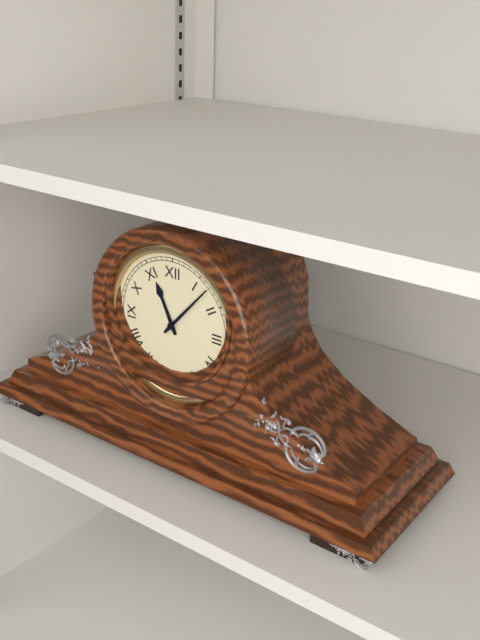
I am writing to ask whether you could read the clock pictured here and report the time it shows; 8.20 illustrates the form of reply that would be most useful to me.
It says 11.07
